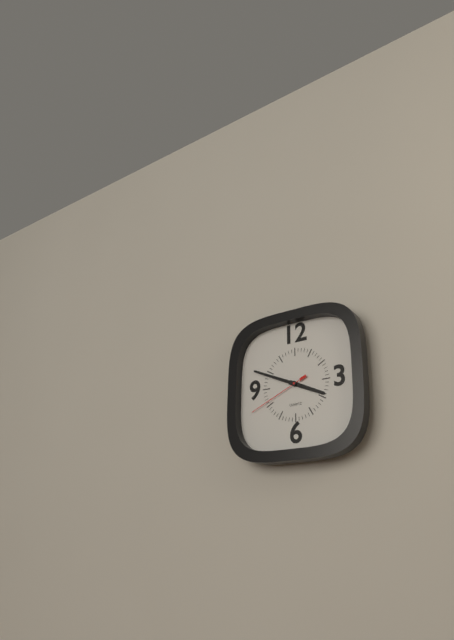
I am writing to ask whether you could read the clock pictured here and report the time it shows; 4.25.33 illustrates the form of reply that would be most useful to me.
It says 3.49.41
